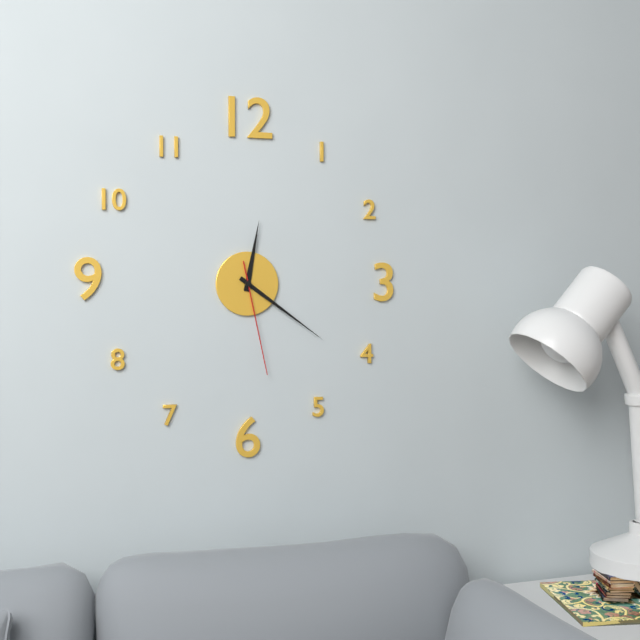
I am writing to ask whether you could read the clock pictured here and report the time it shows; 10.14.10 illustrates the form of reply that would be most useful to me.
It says 12.21.28
